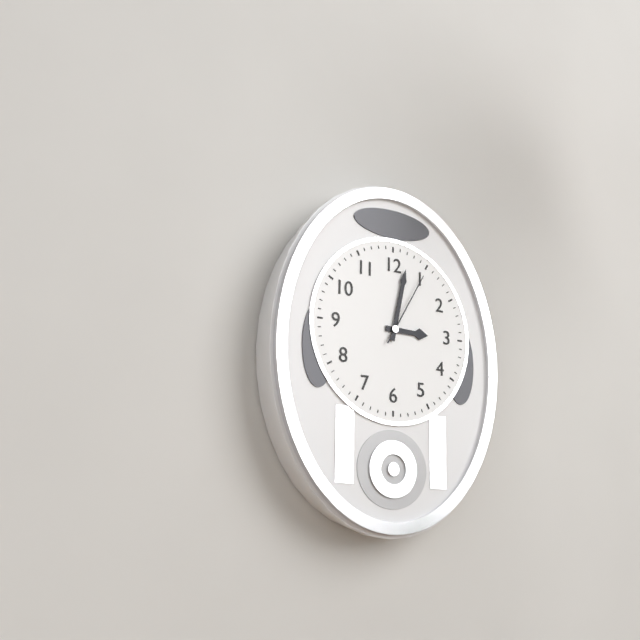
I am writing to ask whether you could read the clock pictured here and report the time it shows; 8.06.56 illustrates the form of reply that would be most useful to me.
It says 3.02.05
